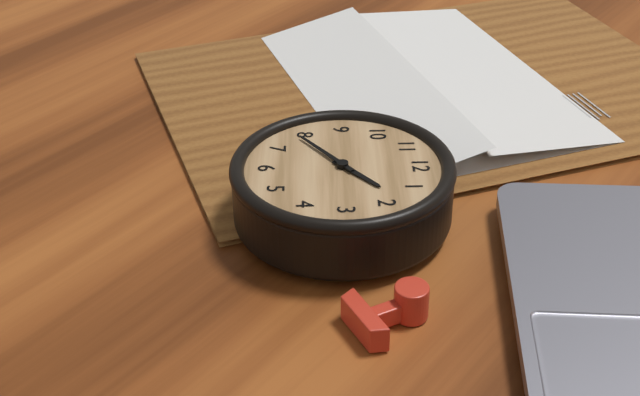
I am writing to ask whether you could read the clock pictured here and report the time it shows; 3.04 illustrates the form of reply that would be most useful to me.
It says 1.39
